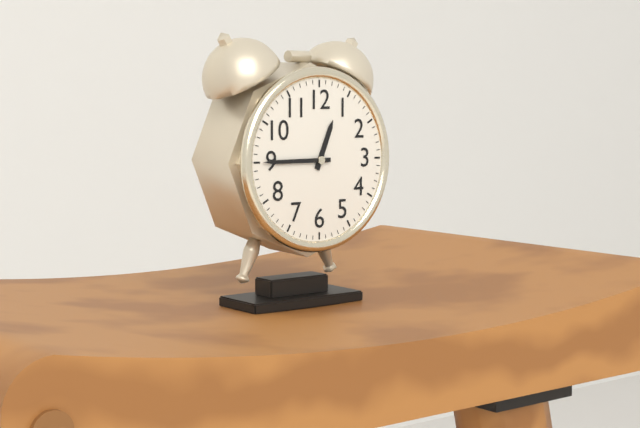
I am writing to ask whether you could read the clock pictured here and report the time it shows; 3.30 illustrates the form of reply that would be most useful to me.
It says 12.45
